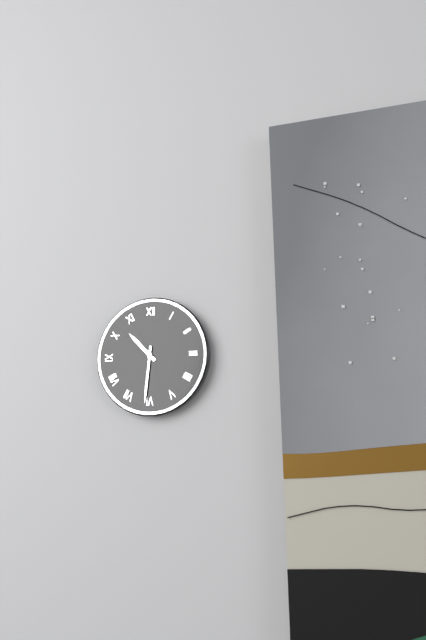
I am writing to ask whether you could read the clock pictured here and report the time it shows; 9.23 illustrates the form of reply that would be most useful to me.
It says 10.31
